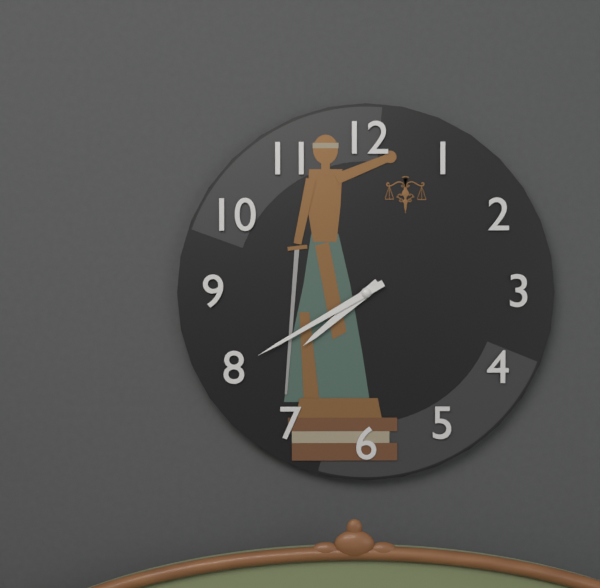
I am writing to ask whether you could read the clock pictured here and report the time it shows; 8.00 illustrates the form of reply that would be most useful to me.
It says 7.40
